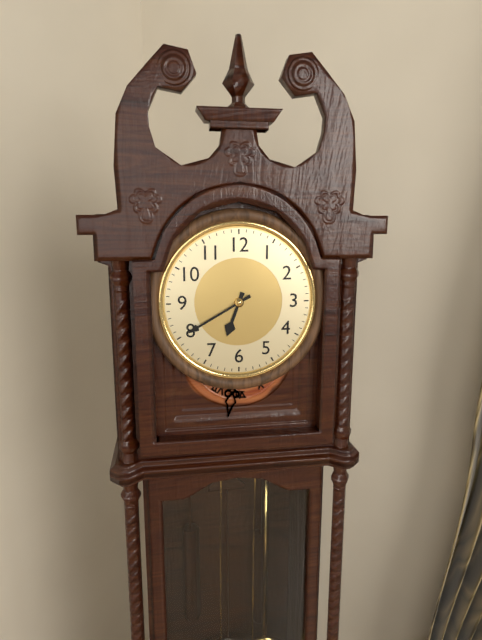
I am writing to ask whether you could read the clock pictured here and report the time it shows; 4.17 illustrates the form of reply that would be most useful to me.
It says 6.40
